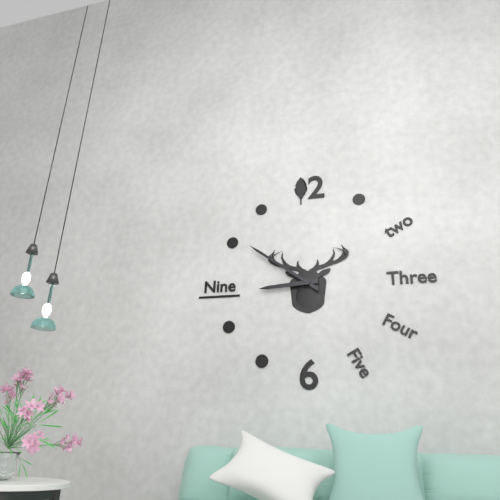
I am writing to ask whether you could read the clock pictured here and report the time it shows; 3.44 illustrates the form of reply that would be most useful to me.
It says 8.51
